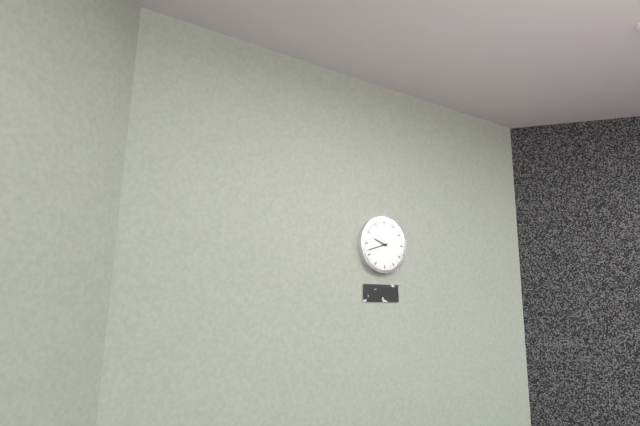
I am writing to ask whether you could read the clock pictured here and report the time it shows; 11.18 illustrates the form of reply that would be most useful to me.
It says 9.42
